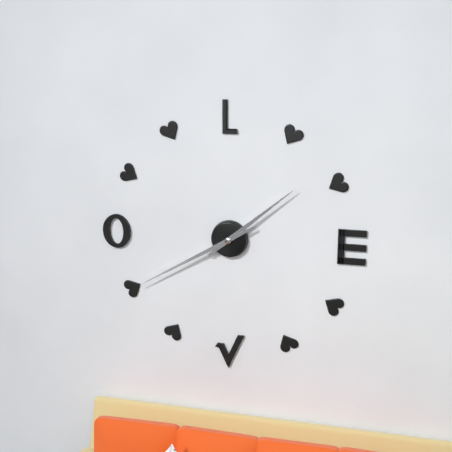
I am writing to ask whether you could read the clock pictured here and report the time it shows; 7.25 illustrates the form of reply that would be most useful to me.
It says 1.40
